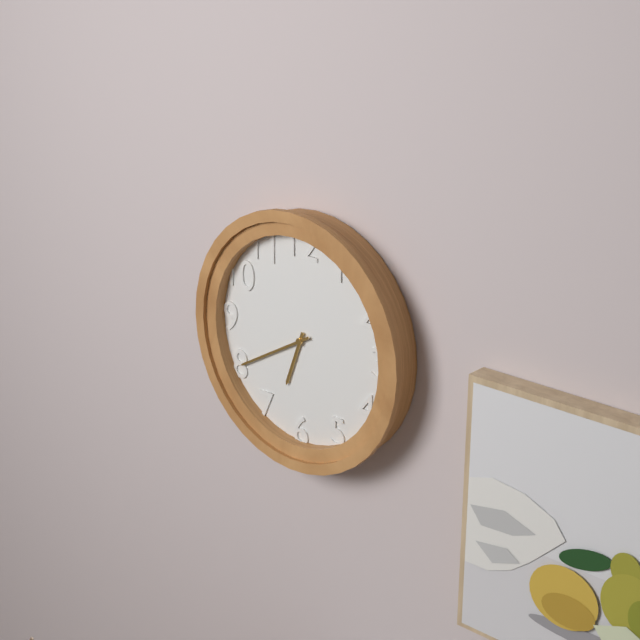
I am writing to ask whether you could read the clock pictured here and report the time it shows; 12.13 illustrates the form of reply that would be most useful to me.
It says 6.40
